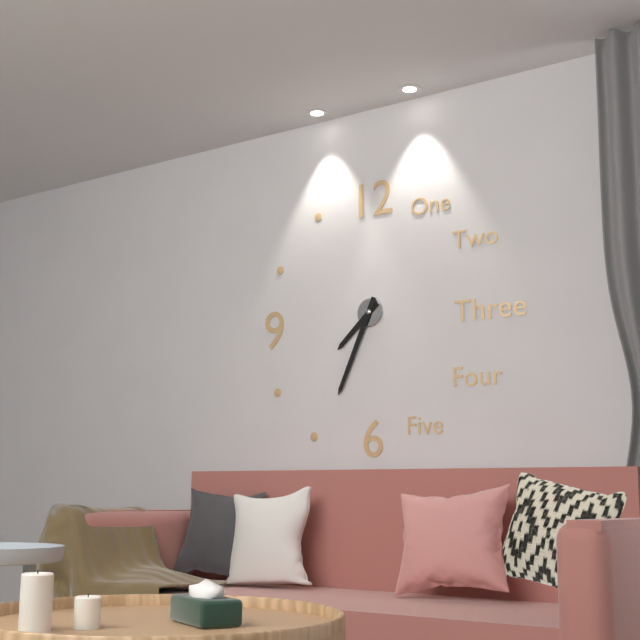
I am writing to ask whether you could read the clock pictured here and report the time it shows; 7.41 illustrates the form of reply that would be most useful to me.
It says 7.34
